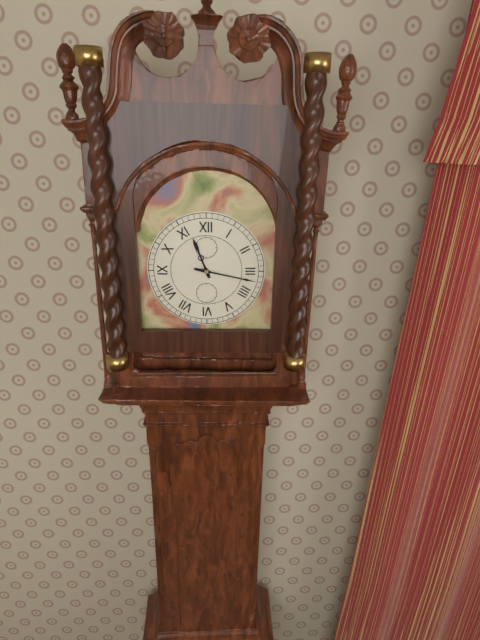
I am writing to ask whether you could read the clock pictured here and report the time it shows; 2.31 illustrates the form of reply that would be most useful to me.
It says 11.17
